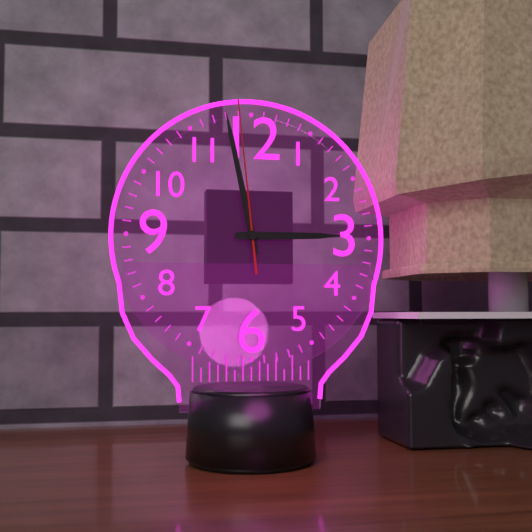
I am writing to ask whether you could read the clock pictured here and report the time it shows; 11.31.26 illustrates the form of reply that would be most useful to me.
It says 2.58.59
